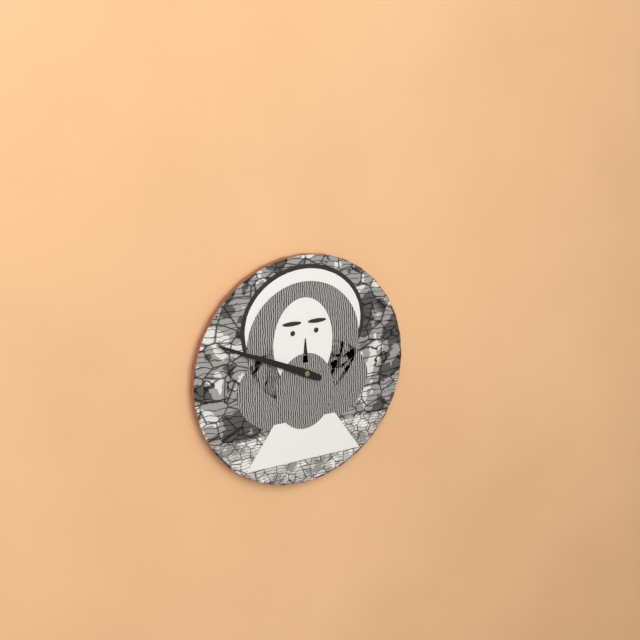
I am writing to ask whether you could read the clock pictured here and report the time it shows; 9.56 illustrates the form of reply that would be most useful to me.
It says 9.49
